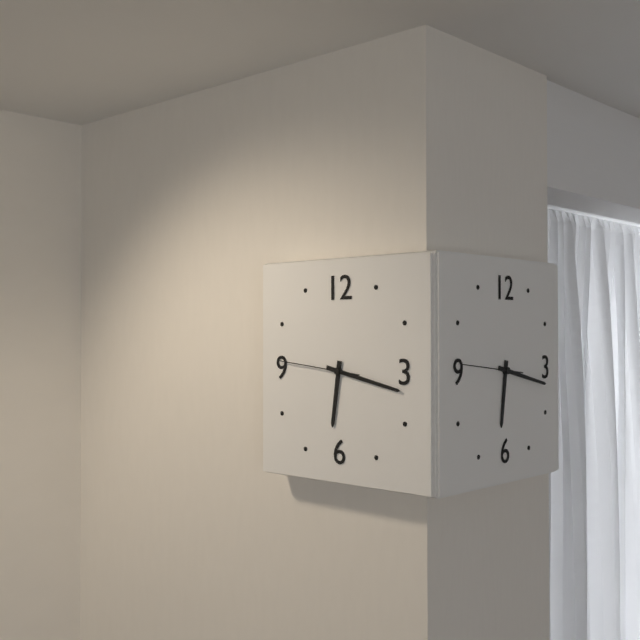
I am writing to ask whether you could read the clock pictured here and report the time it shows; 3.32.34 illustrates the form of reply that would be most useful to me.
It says 6.17.46
